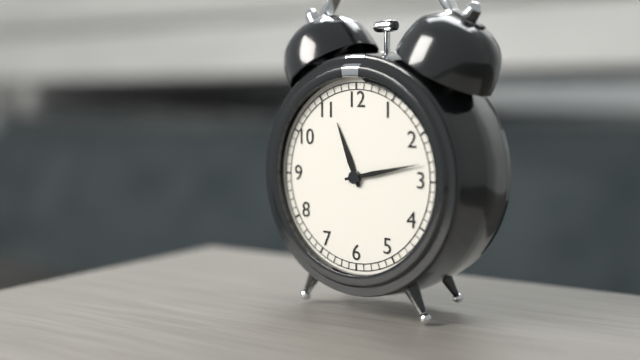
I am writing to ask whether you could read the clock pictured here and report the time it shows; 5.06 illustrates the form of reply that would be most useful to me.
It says 11.13
